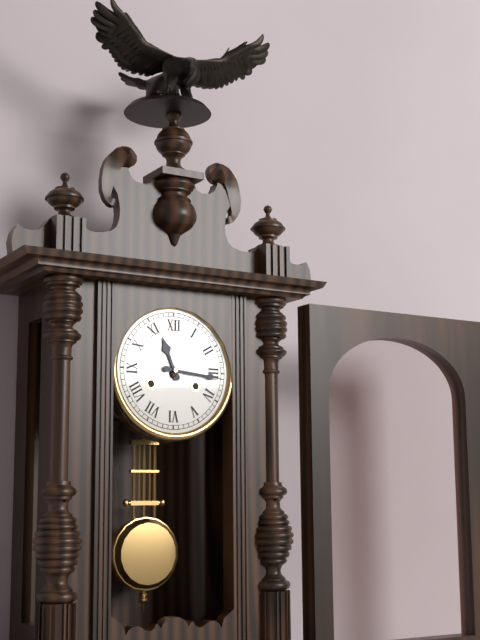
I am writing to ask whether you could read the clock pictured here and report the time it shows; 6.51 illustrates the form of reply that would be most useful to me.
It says 11.16
